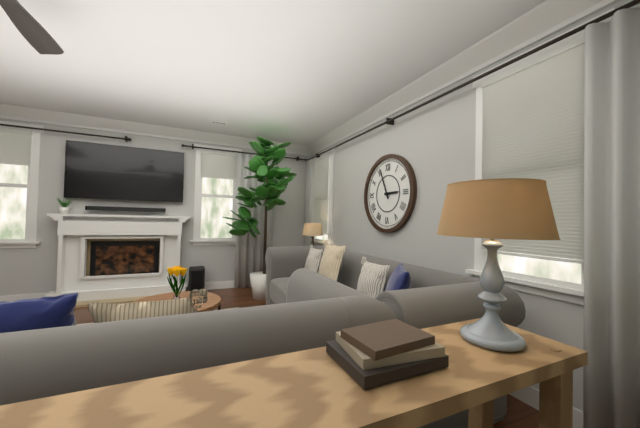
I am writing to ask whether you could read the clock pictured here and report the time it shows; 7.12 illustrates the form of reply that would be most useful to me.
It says 2.56
